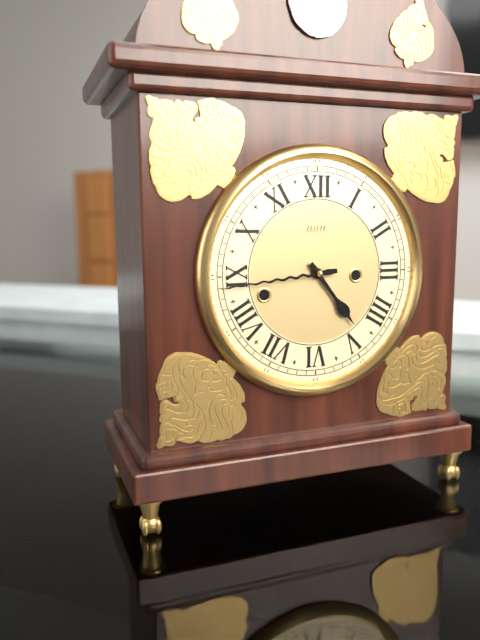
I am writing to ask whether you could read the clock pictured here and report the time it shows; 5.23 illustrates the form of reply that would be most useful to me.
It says 4.44
